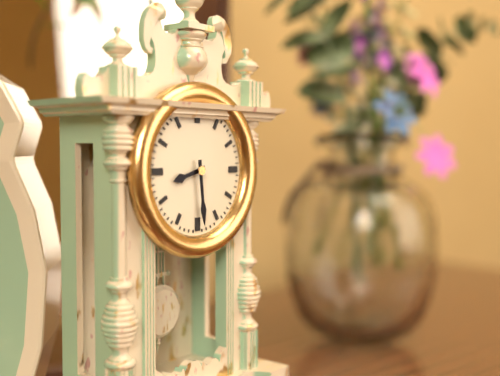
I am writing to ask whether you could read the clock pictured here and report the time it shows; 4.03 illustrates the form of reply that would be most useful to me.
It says 8.29
